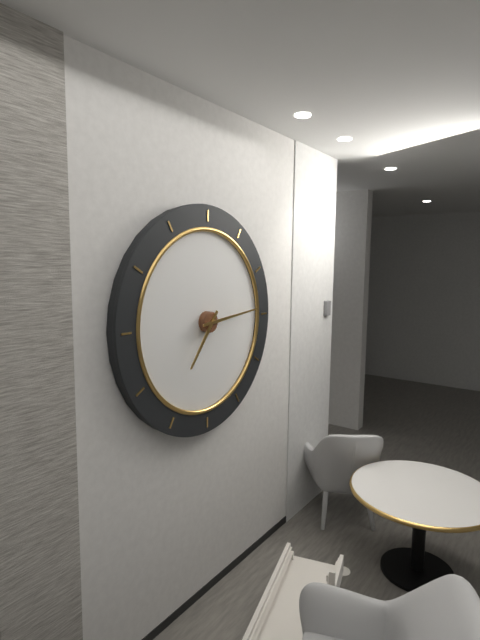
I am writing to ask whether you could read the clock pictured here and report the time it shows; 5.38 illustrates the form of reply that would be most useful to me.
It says 7.14
